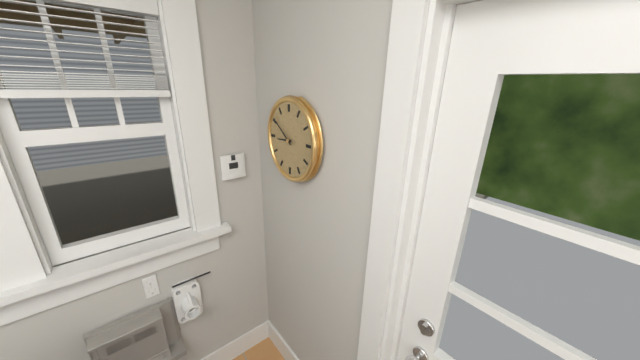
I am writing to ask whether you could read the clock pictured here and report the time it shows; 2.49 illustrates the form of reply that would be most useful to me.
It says 8.51
